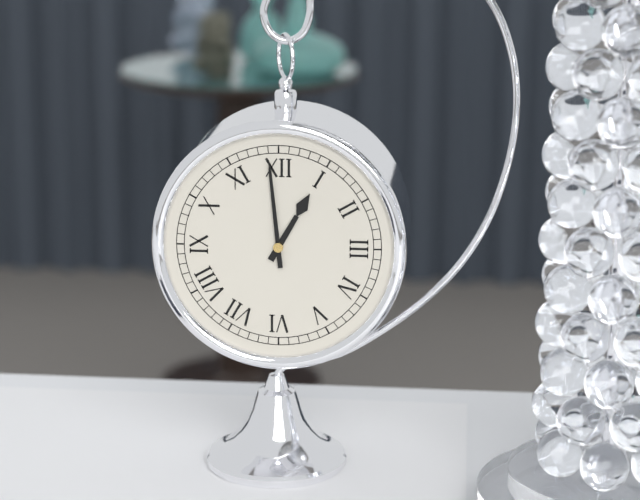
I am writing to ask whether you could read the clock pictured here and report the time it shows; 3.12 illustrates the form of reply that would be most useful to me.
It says 12.59
